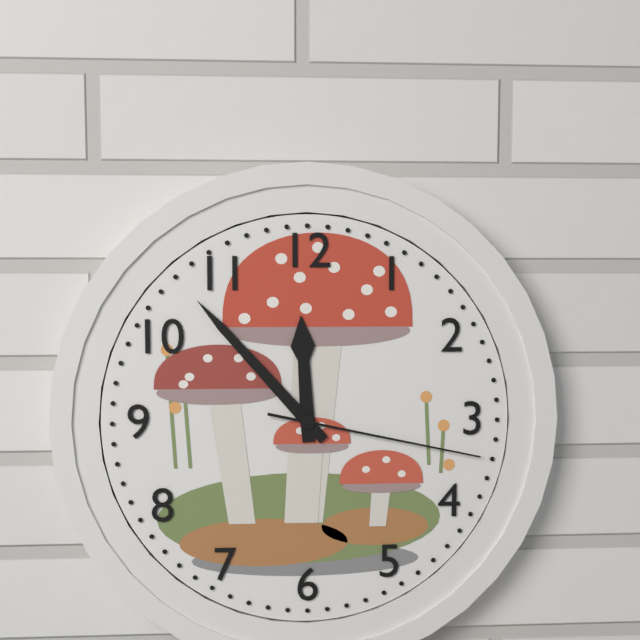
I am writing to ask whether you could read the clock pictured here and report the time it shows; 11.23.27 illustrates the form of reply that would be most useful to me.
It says 11.53.17
